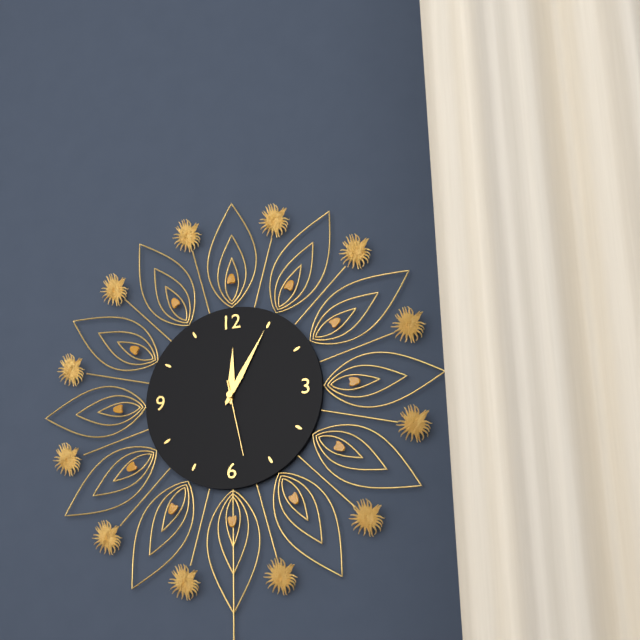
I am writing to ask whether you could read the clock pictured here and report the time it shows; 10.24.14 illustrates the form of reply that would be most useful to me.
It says 12.05.28
